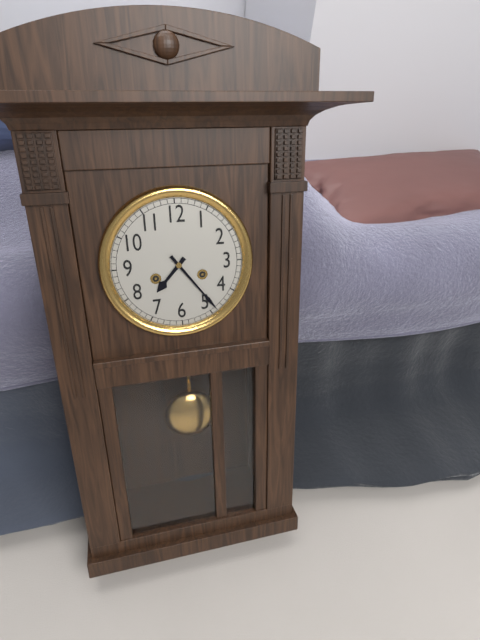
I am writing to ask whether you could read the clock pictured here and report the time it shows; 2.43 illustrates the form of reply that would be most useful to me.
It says 7.24
